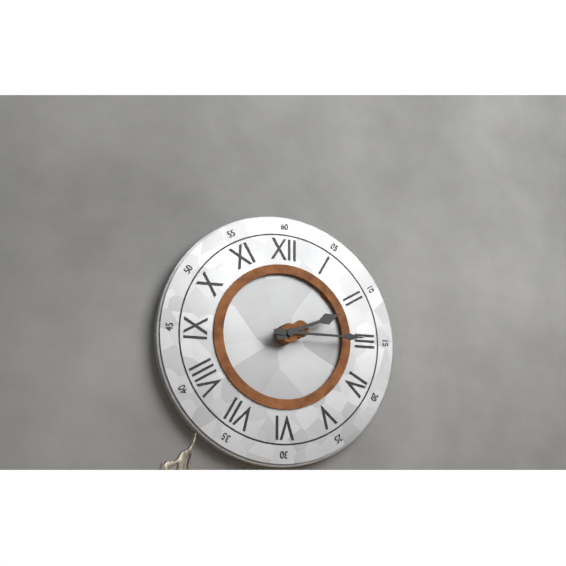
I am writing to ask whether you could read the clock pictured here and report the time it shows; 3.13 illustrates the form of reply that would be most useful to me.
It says 2.15
